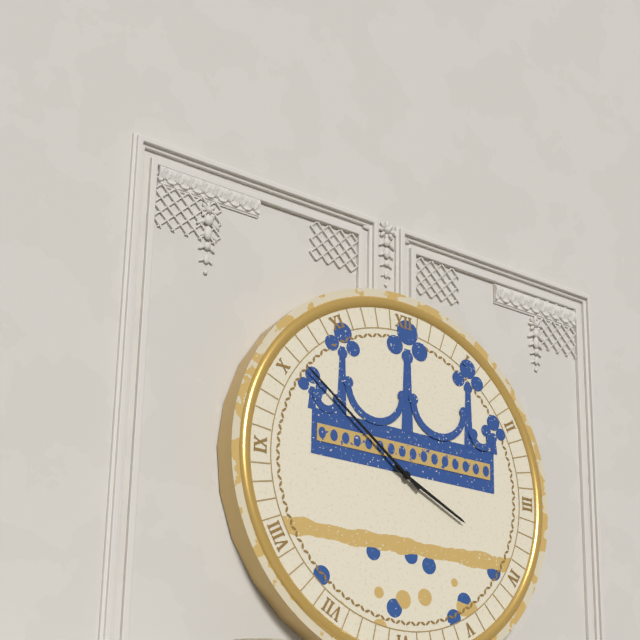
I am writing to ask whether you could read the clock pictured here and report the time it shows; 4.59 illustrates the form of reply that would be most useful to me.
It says 3.51
